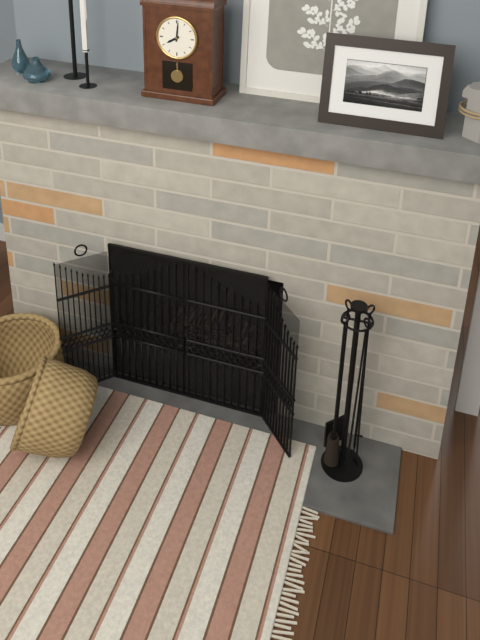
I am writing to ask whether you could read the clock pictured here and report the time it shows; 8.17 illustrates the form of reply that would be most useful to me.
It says 8.01
